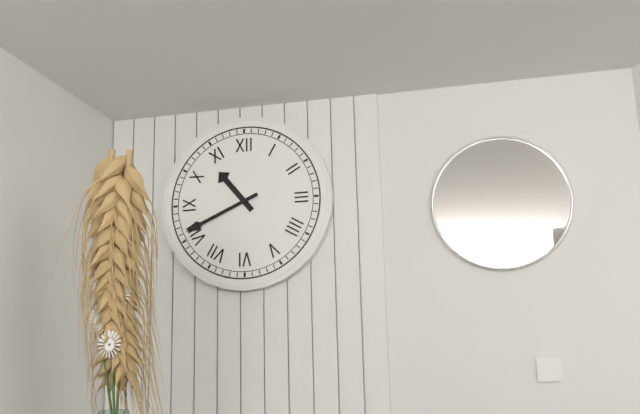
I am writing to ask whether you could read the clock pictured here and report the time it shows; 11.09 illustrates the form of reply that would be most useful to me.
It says 10.41
